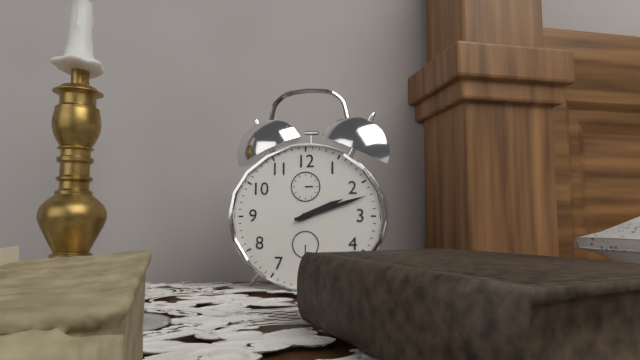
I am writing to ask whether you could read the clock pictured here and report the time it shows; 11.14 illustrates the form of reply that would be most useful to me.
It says 2.12
